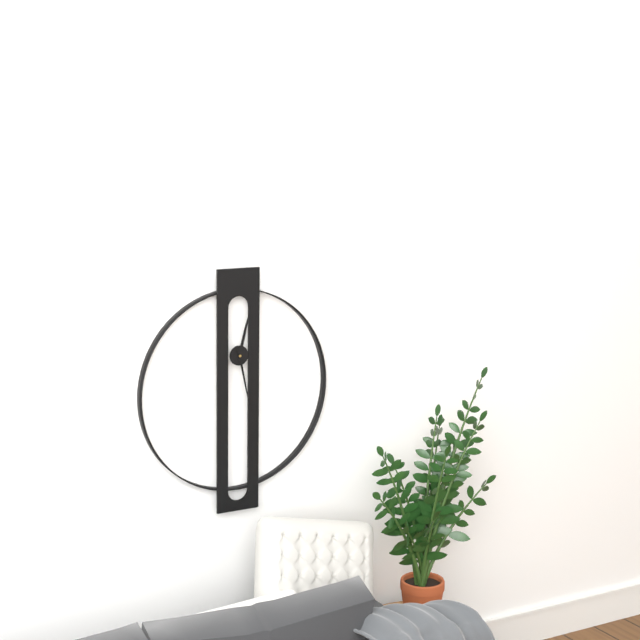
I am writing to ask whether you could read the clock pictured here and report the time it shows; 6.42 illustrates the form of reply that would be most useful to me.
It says 12.28
